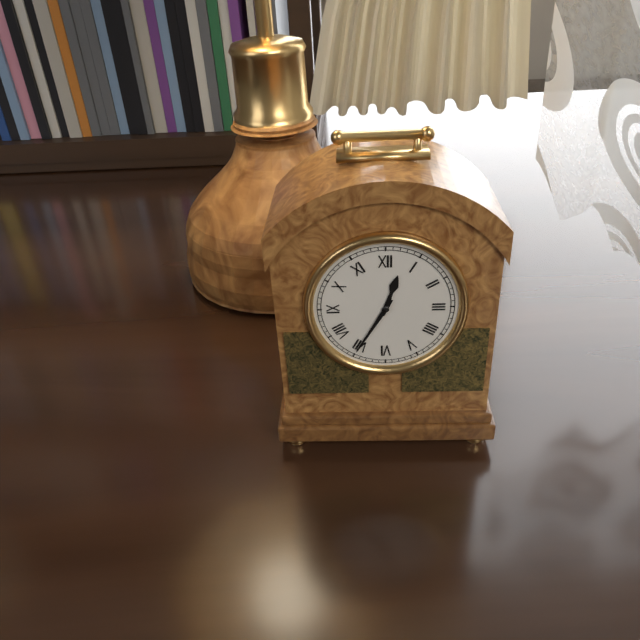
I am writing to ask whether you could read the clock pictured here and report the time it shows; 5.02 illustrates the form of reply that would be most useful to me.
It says 12.35
